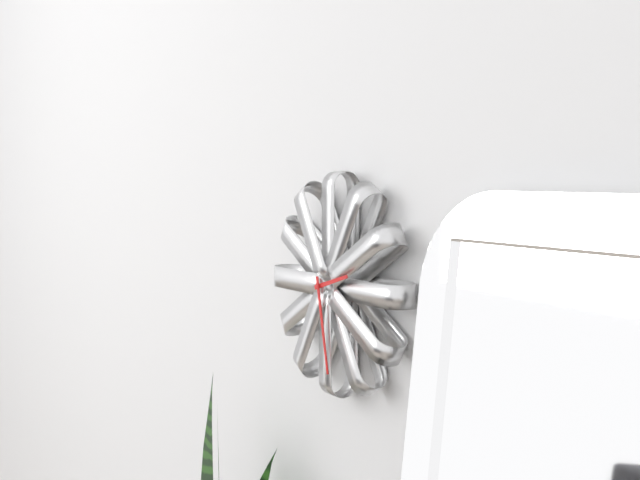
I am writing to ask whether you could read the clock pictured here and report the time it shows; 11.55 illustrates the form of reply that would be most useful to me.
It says 2.28
